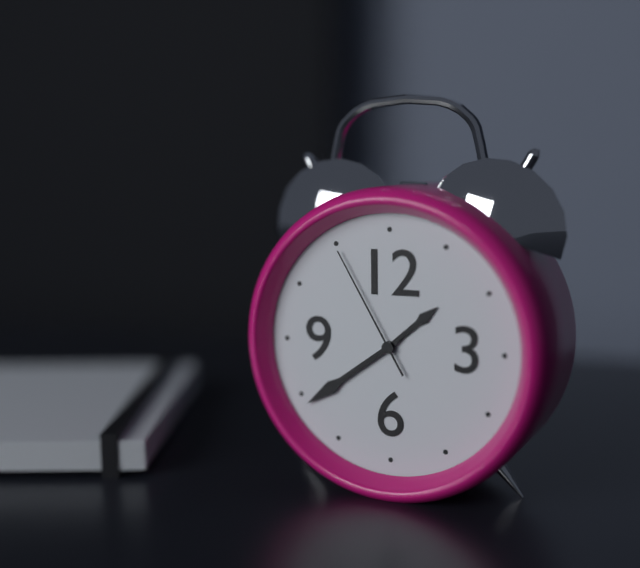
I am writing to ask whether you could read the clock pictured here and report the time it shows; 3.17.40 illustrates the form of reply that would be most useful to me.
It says 1.39.55
